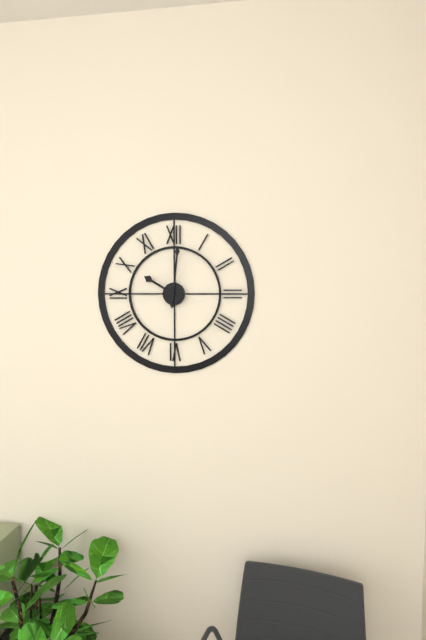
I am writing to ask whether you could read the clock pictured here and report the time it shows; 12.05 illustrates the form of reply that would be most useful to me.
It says 10.01
